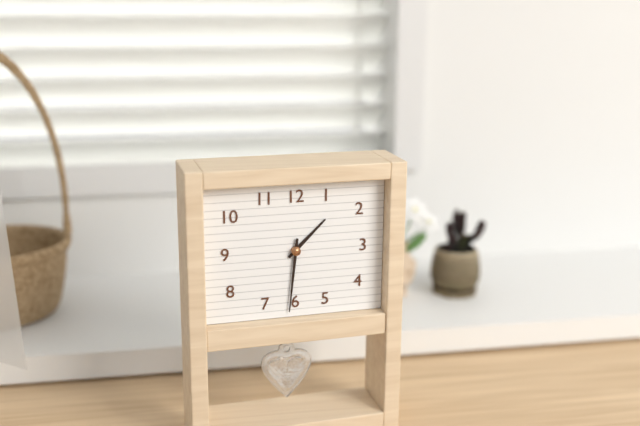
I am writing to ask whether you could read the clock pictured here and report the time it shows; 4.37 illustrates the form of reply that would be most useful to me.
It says 1.31
